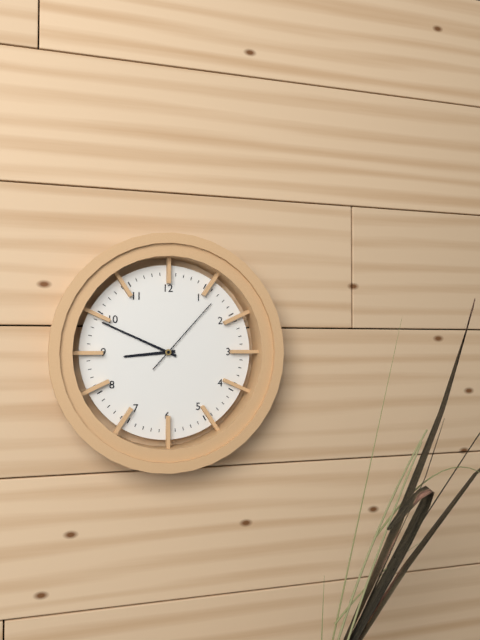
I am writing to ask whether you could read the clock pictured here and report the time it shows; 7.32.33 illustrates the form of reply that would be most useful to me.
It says 8.49.07
